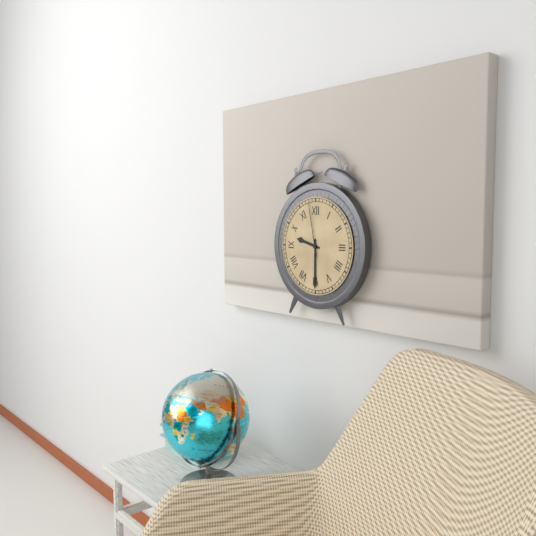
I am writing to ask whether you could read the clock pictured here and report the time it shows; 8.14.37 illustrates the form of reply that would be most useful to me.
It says 9.30.58
